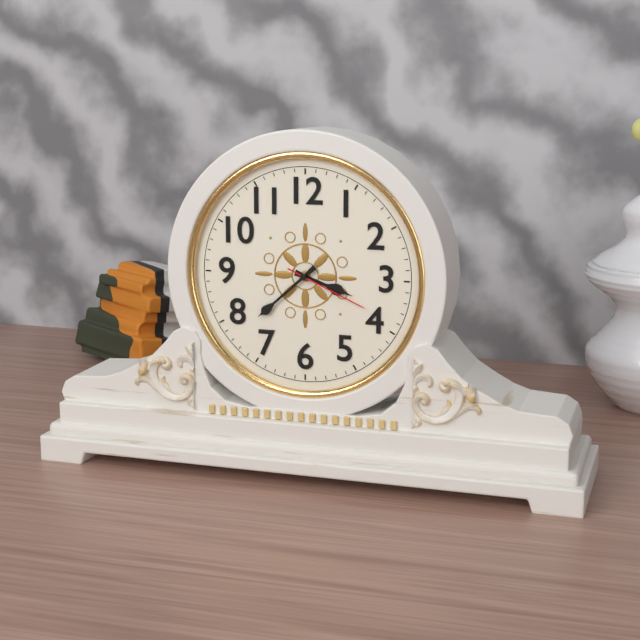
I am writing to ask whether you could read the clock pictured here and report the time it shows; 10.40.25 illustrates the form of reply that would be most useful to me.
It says 3.38.19
